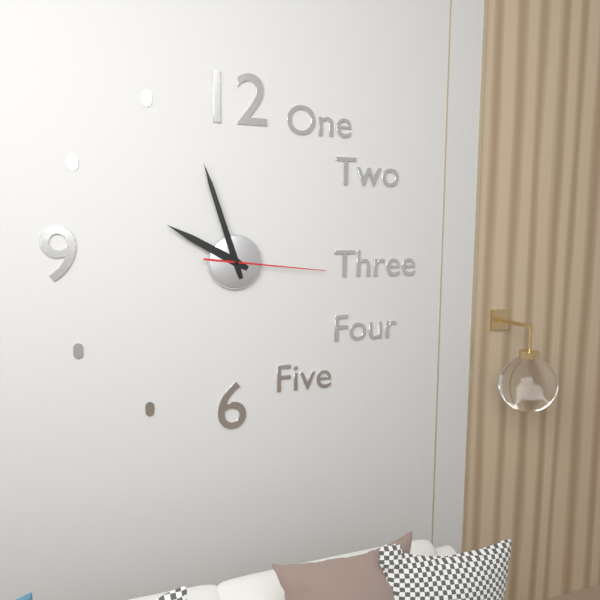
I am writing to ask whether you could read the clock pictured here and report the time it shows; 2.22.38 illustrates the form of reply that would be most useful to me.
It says 9.57.16
